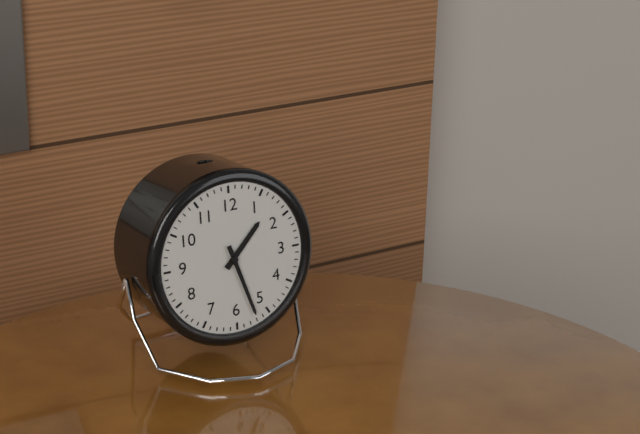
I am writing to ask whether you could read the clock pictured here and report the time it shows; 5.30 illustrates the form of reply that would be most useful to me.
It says 1.27
